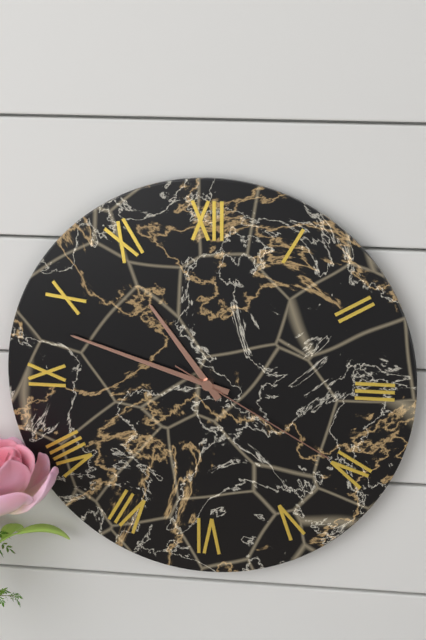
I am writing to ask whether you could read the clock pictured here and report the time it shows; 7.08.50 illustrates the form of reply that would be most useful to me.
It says 10.48.20
